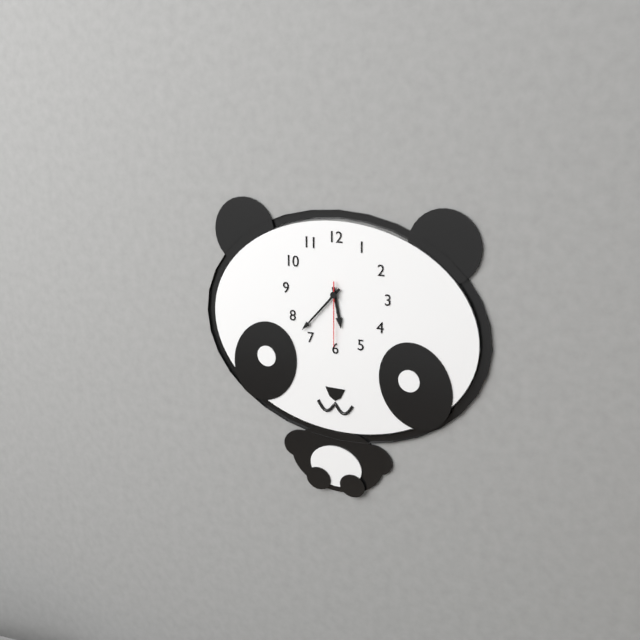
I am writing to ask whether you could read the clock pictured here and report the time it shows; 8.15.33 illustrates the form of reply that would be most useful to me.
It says 5.37.30
